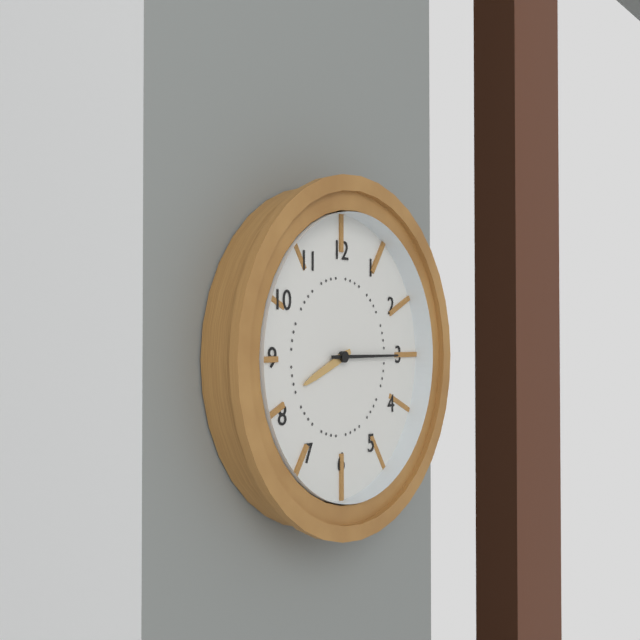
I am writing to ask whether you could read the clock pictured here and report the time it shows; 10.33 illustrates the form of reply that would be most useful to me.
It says 8.15
